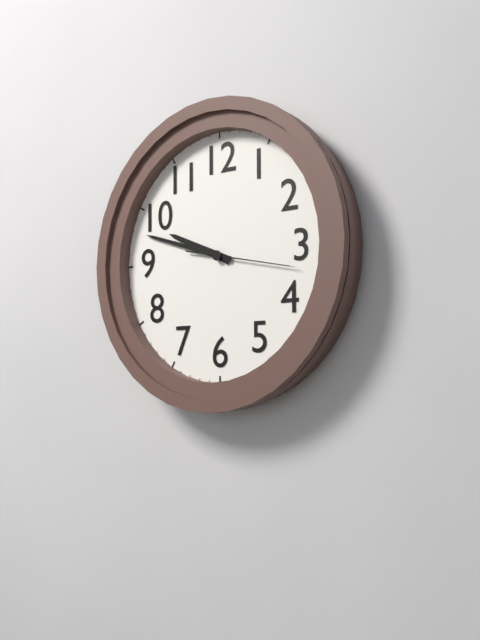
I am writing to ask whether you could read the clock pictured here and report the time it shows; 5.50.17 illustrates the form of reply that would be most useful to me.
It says 9.48.17
